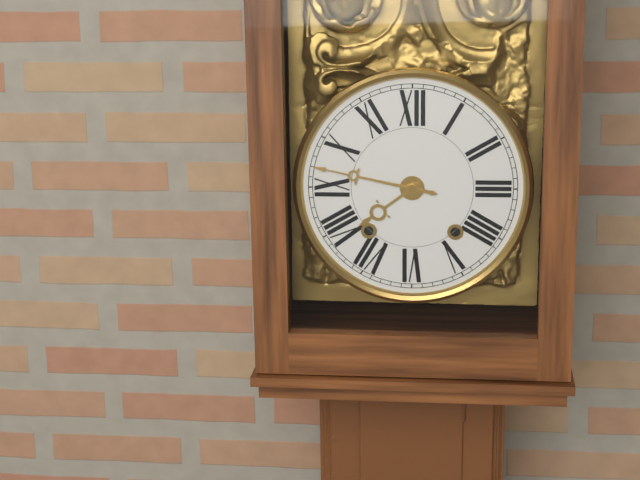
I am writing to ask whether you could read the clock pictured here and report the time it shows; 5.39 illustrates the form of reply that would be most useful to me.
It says 7.47
